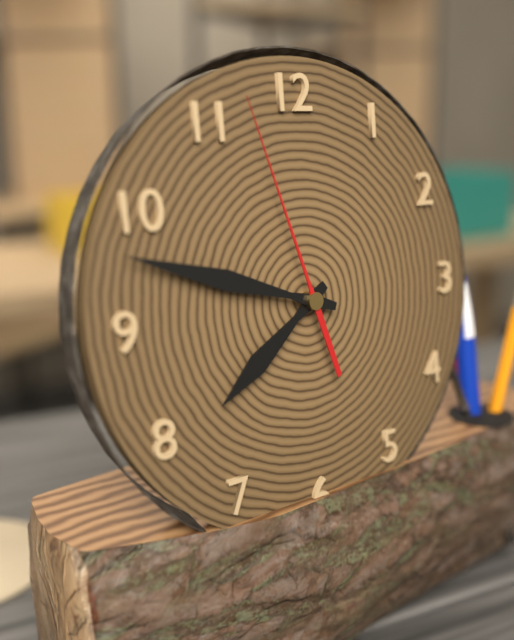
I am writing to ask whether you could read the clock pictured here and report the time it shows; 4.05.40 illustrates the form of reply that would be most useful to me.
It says 7.48.57
